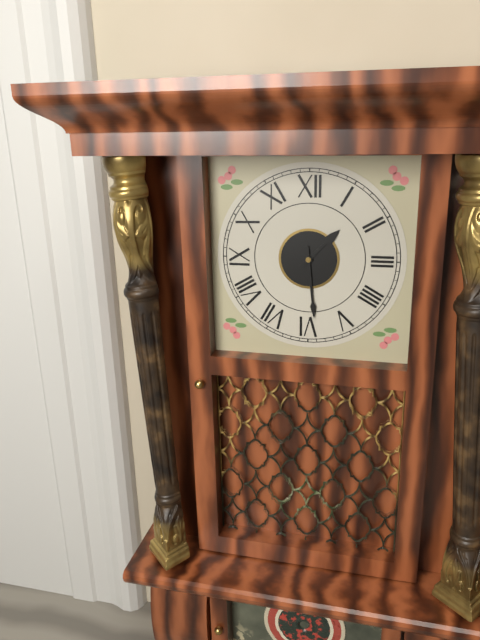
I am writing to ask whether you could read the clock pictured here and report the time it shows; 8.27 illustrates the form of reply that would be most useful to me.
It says 1.29
